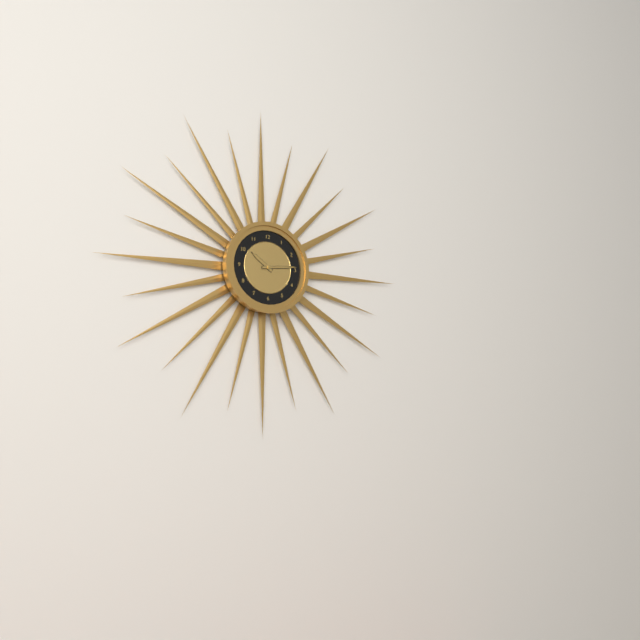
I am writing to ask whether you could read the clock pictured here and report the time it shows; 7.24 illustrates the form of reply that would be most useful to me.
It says 10.14
